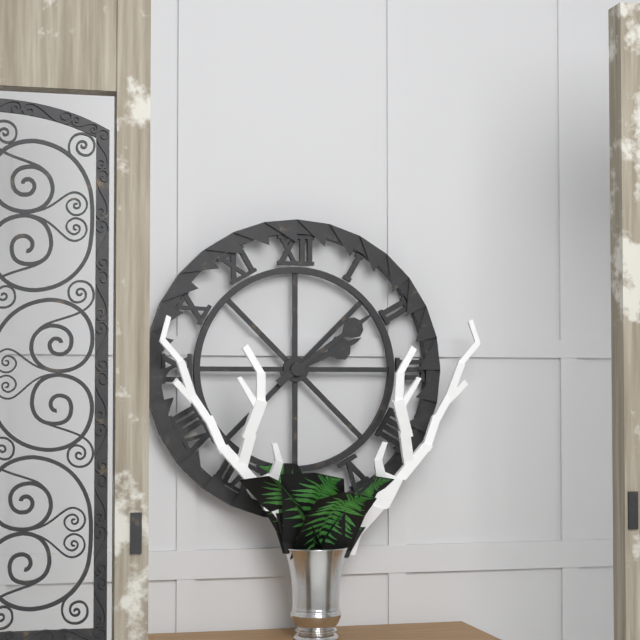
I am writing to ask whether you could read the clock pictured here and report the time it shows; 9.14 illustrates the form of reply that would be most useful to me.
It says 2.09
